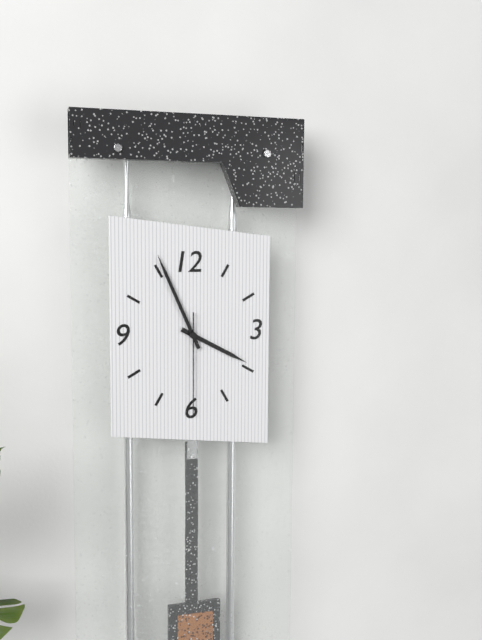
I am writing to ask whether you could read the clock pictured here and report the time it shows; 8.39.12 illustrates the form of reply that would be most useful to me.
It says 3.56.30
